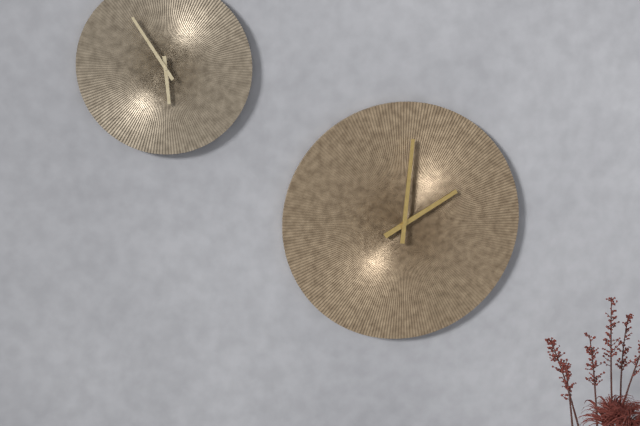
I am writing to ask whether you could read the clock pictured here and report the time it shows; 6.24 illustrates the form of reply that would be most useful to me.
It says 2.01
